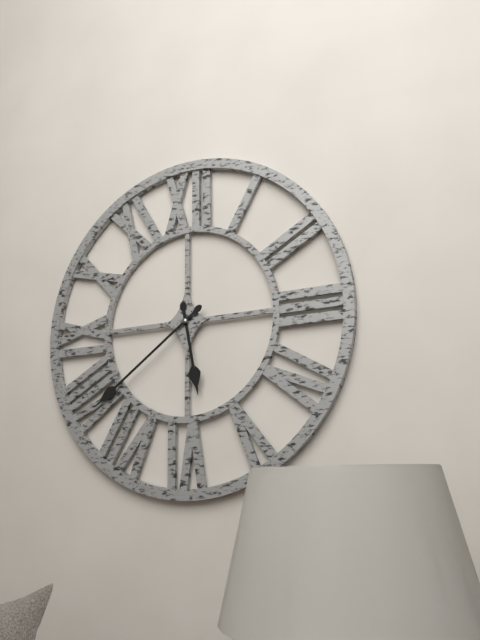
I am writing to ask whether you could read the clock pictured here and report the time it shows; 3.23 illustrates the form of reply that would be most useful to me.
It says 5.39
